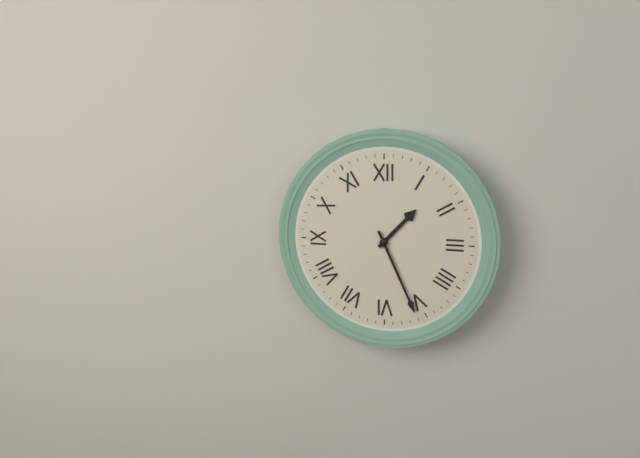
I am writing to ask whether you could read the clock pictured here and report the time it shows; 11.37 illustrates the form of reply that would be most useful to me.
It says 1.26
